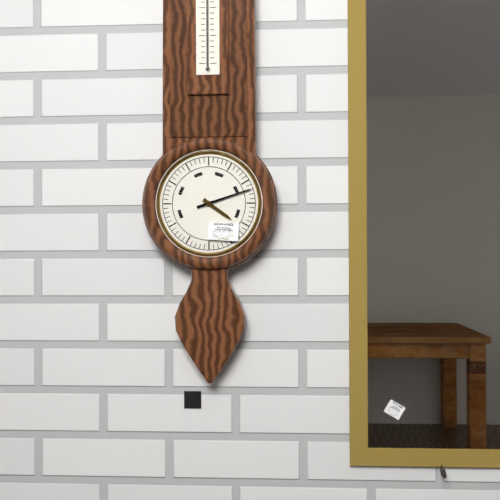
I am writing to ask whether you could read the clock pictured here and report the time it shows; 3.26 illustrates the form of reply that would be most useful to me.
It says 4.12
